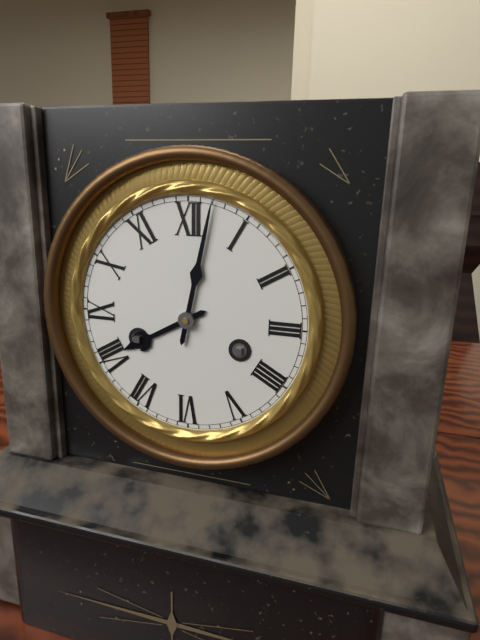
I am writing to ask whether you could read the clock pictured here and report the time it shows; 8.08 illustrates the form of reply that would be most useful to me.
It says 8.02
